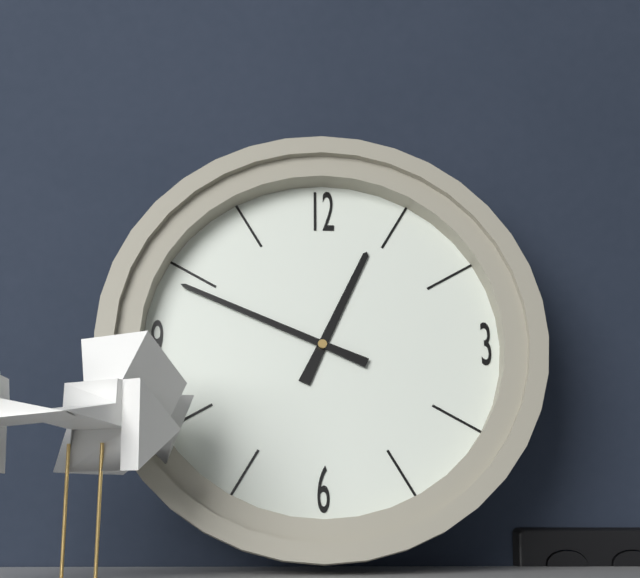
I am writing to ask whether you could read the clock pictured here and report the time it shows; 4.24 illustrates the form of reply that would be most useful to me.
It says 12.49
